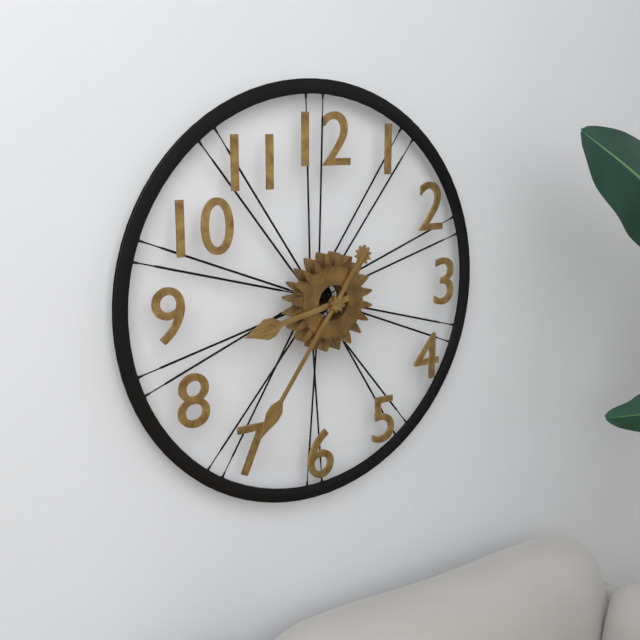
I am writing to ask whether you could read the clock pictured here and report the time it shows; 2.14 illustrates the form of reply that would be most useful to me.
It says 8.36
